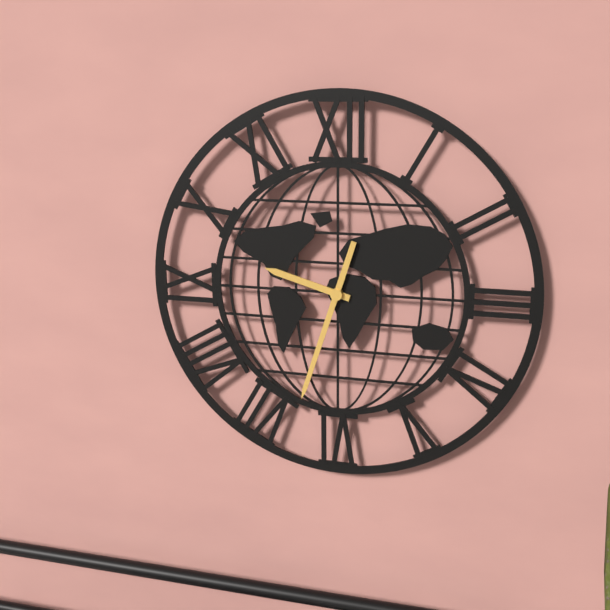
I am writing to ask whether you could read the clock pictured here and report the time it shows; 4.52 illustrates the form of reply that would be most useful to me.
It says 9.33
